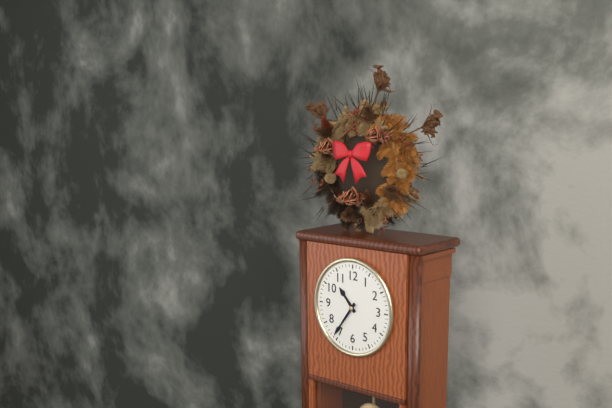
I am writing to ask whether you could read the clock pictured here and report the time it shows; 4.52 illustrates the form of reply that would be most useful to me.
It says 10.36
